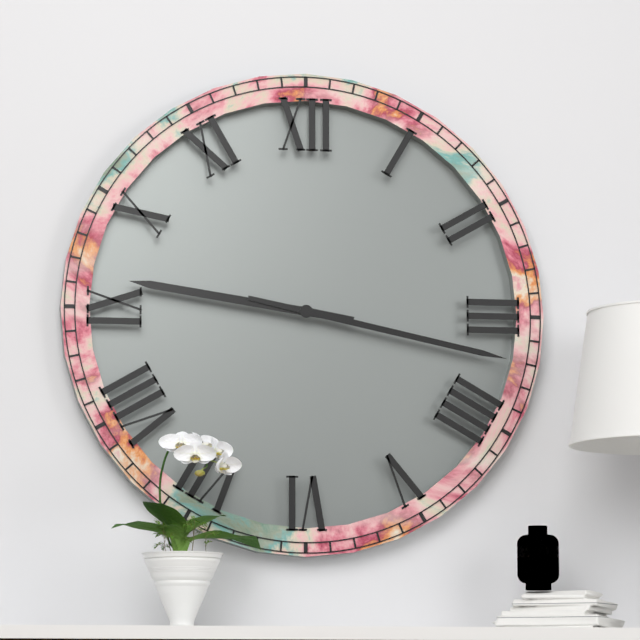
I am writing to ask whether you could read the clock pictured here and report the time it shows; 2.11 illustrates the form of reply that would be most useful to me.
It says 9.17
